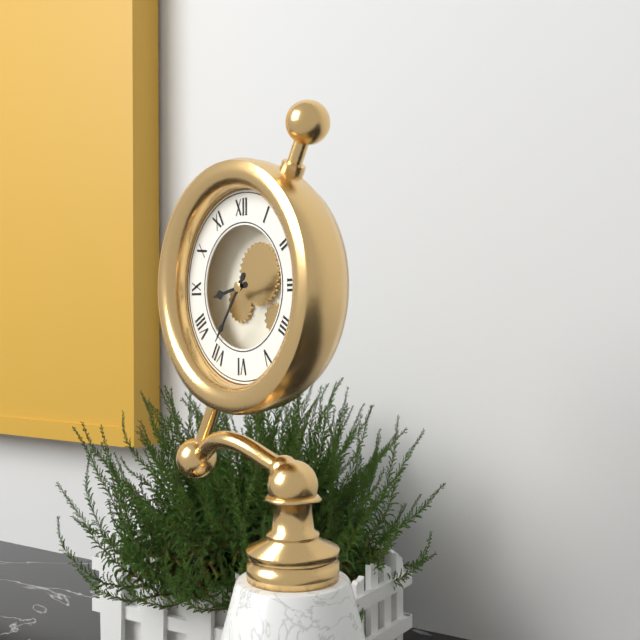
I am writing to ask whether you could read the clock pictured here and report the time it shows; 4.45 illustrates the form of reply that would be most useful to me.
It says 8.36
